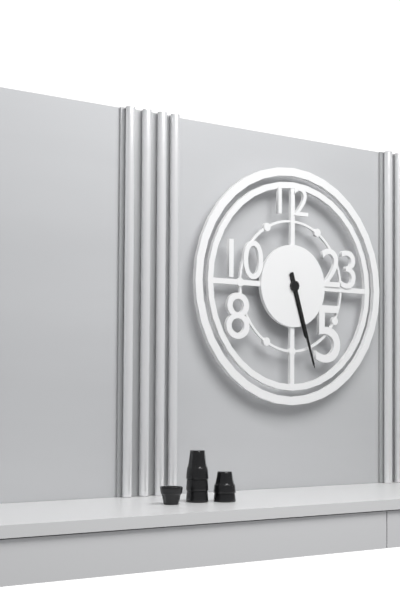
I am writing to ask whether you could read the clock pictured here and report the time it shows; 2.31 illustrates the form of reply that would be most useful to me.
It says 5.27
